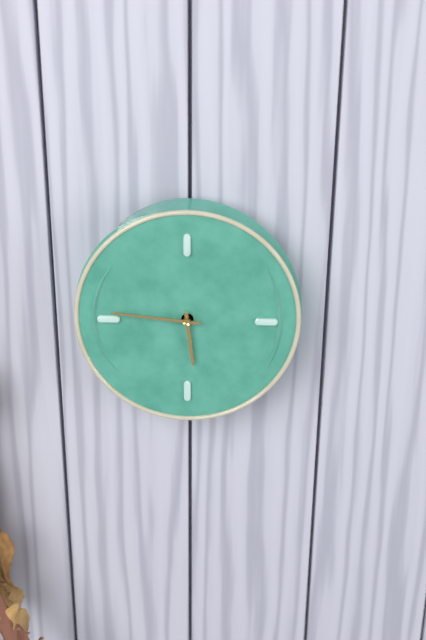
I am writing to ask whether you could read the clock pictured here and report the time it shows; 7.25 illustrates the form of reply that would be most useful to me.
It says 5.46
